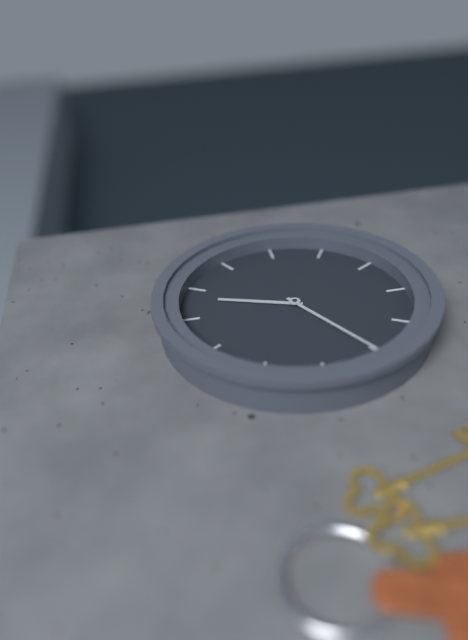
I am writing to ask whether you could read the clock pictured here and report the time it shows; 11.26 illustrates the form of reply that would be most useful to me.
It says 12.40
